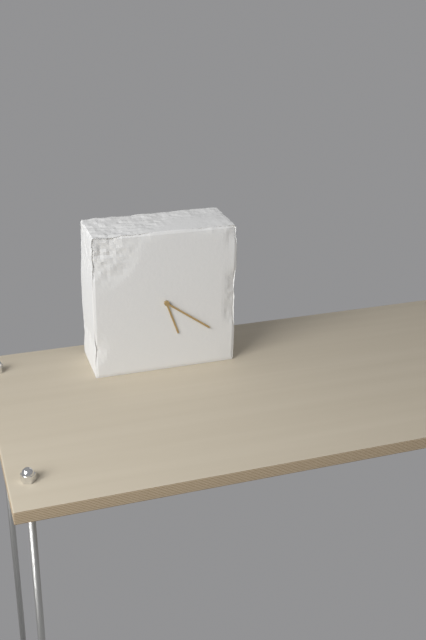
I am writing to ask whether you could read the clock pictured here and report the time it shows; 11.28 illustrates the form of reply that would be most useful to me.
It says 5.21
